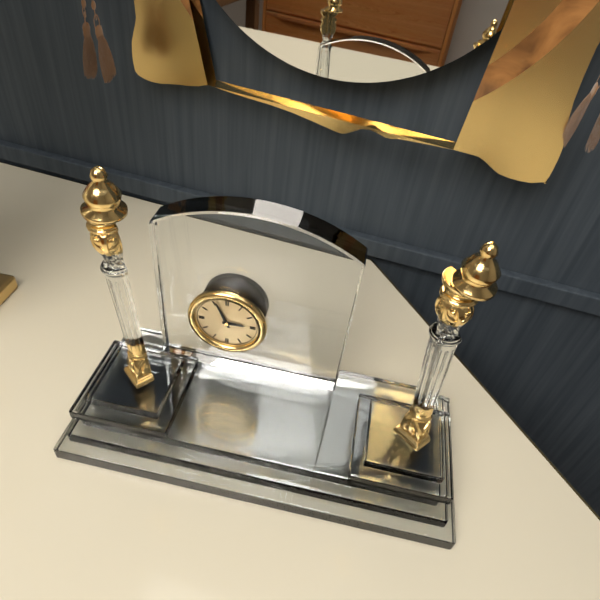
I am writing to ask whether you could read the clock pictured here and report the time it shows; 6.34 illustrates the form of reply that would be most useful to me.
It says 2.56
